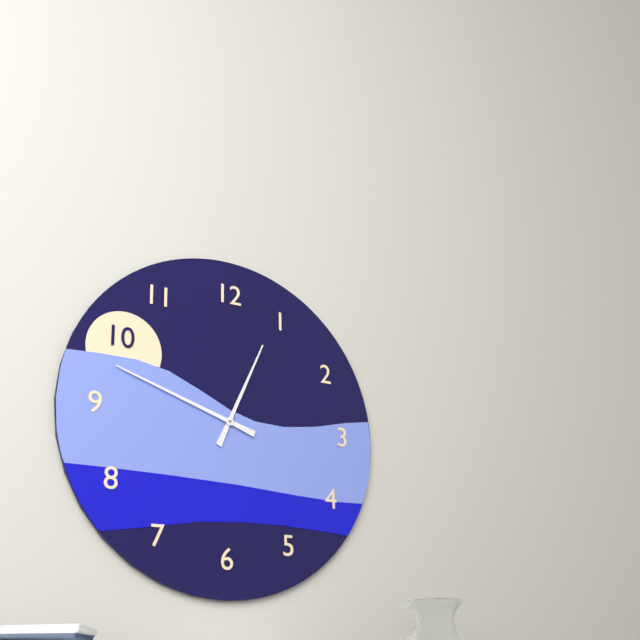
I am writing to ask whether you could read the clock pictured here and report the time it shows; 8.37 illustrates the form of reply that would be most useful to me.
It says 12.48
